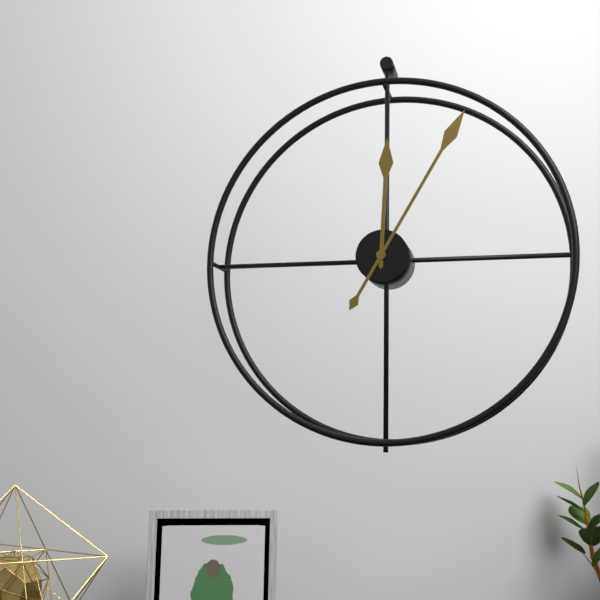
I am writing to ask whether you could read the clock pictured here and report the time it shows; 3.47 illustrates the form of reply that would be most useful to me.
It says 12.05
